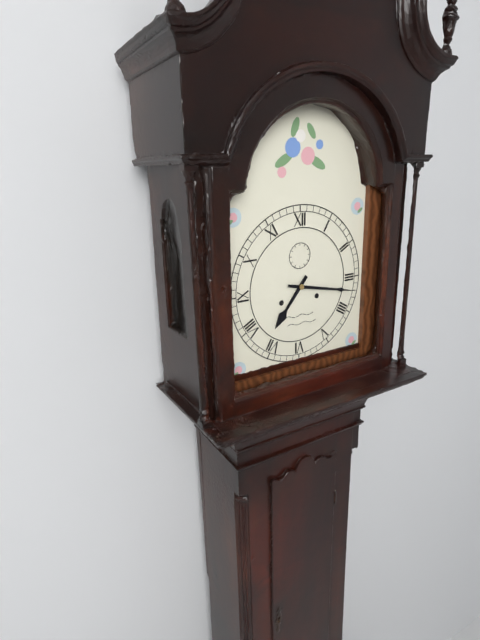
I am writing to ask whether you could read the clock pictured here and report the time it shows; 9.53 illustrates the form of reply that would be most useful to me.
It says 7.17
